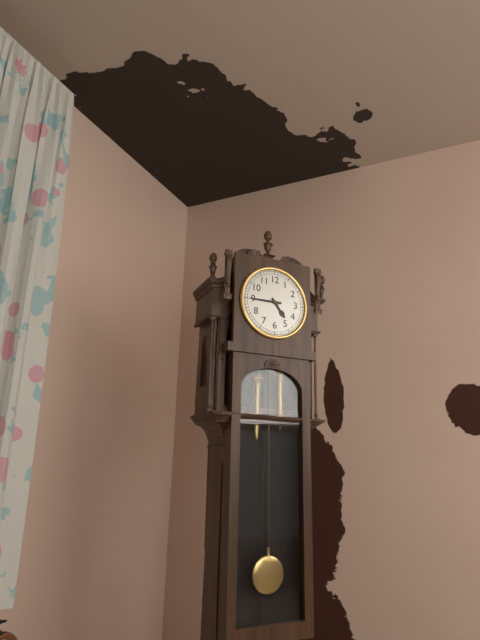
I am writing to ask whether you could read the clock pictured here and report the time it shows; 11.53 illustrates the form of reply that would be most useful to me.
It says 4.45
